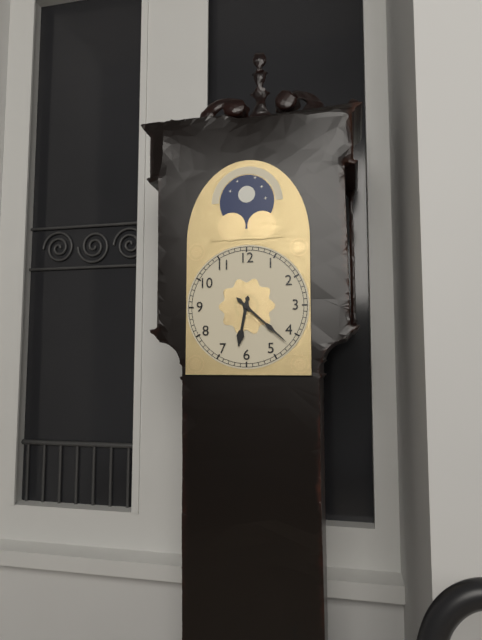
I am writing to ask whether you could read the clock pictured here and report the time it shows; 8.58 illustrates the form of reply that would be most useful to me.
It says 6.22
